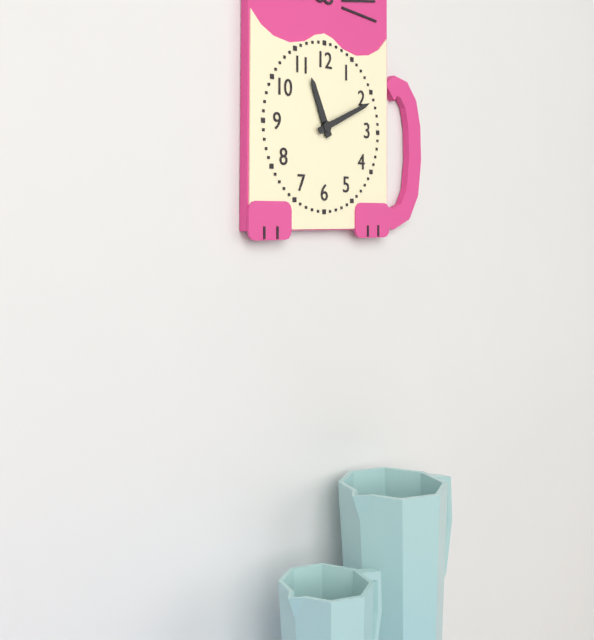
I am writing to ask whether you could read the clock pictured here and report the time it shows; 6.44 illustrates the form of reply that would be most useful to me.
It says 11.11
